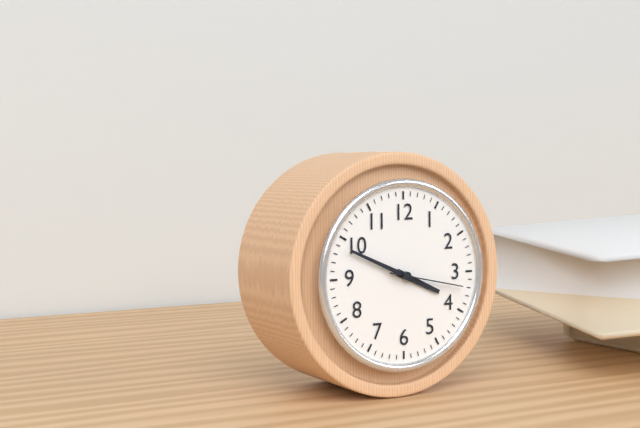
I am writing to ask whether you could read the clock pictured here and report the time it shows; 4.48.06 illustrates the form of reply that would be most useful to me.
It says 3.49.17
